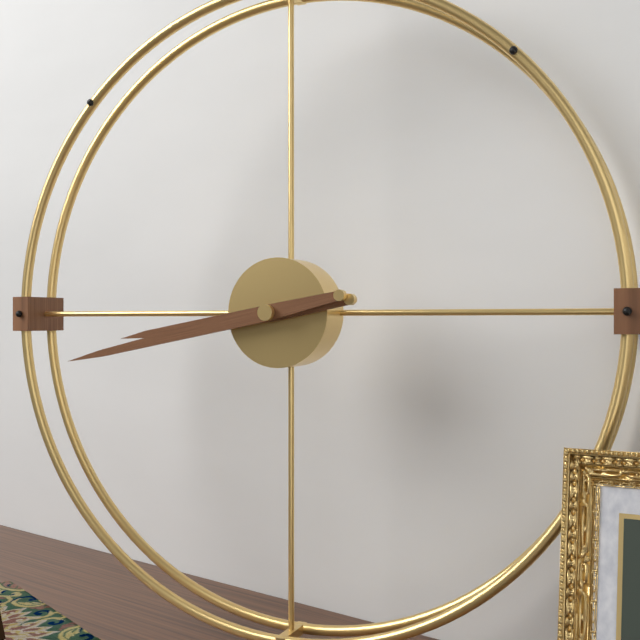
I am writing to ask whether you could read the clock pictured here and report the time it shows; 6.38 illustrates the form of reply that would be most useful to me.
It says 8.43
